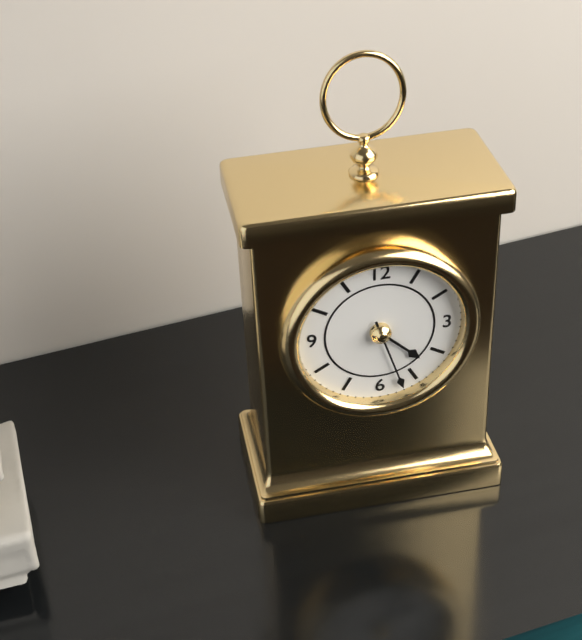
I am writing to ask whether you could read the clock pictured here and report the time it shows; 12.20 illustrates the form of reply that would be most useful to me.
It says 4.27
